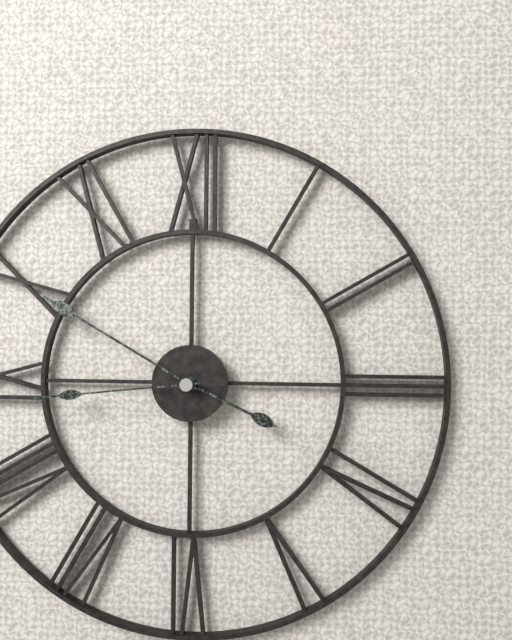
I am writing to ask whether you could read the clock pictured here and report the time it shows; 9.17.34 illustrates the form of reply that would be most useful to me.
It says 3.50.44
